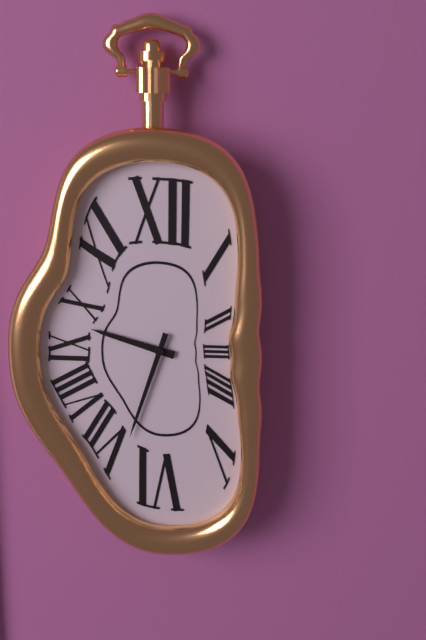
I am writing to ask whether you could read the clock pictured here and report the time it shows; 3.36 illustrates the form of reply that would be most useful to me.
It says 9.33
